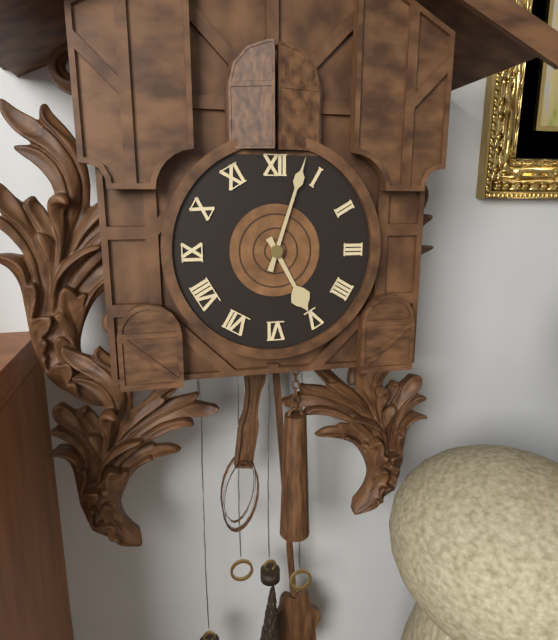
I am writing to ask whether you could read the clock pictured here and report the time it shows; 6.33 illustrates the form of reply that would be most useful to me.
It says 5.03
